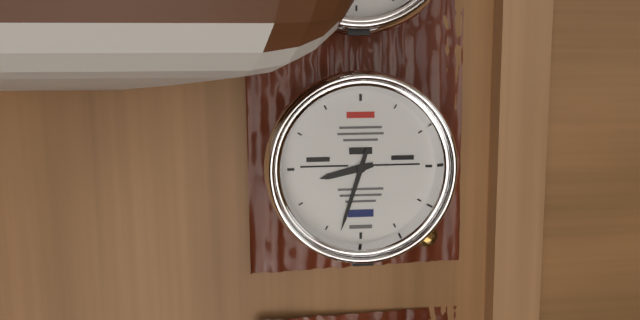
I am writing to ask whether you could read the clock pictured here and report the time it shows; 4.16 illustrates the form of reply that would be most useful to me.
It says 8.33
